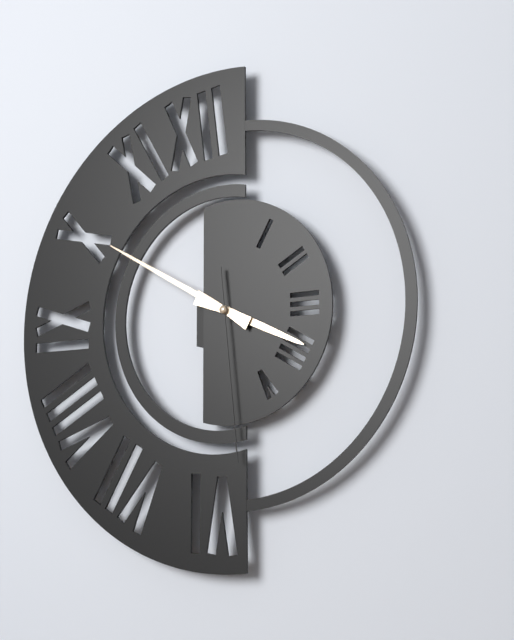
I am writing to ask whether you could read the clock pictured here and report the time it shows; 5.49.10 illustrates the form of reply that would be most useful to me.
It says 3.50.29
